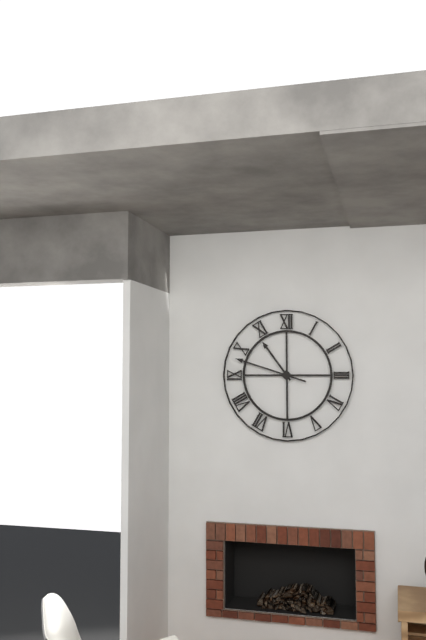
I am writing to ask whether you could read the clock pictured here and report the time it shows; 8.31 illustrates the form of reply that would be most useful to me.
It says 10.48
